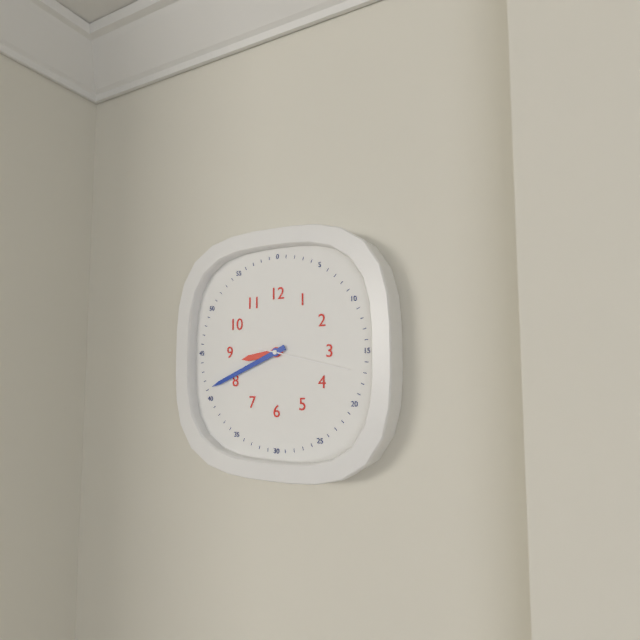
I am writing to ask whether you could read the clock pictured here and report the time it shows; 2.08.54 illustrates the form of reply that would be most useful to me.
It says 8.41.17
